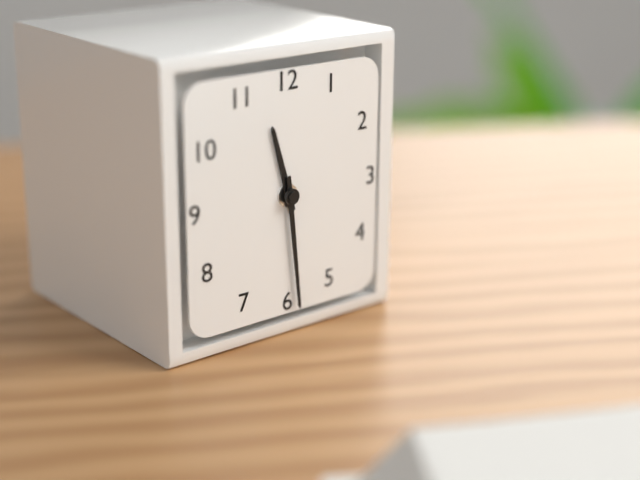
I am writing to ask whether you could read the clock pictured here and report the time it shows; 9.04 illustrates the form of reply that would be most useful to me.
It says 11.29
